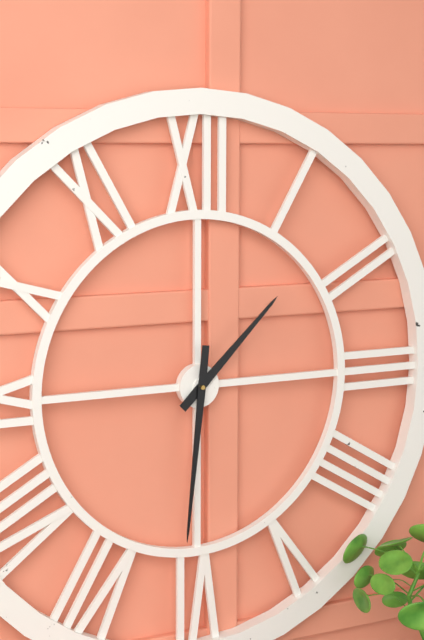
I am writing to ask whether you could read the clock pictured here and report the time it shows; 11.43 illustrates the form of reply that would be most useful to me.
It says 1.31
